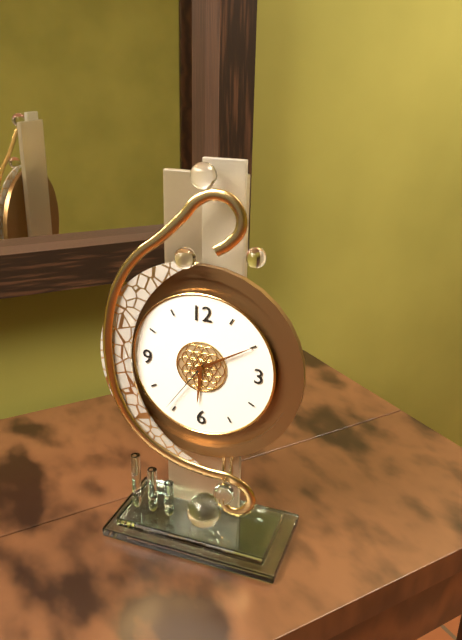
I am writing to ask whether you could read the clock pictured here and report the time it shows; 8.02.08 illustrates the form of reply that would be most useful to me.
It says 6.10.36
